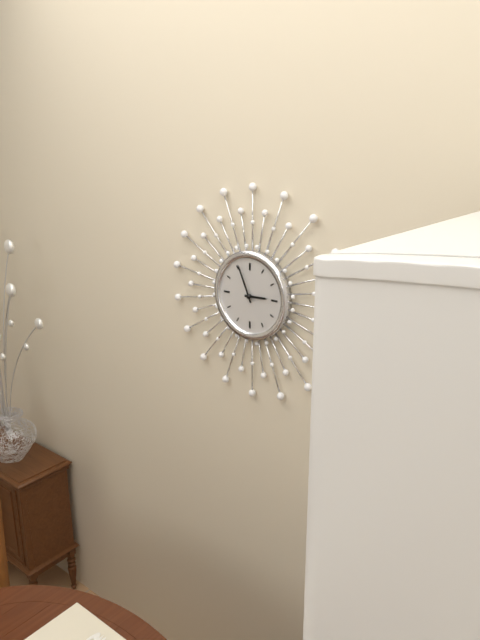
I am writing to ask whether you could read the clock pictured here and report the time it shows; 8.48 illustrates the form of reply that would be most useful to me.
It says 2.56
